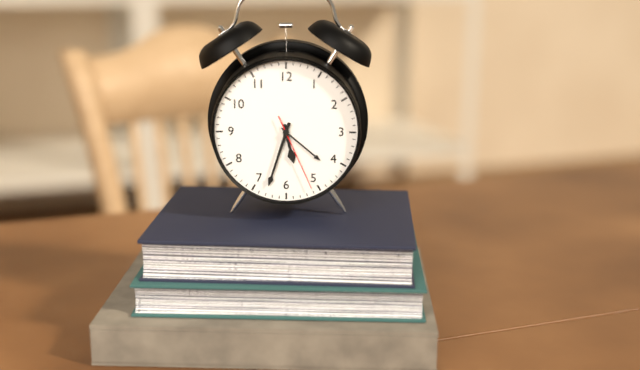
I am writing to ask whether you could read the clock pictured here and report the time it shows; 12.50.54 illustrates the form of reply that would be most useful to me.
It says 5.33.26
